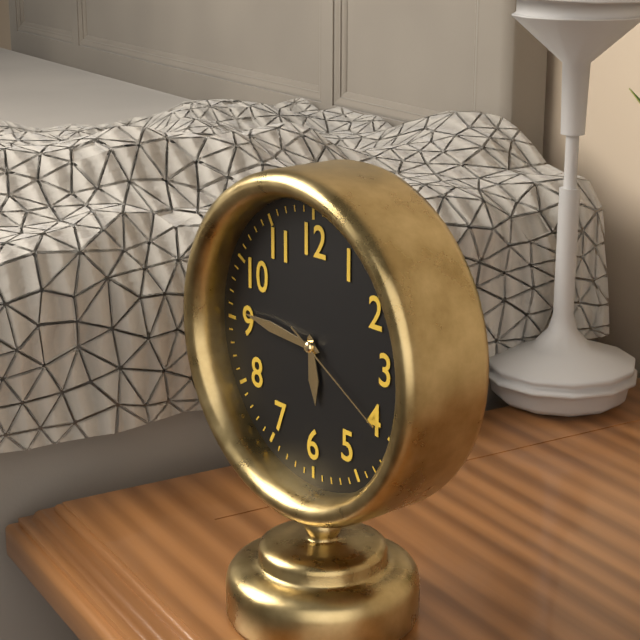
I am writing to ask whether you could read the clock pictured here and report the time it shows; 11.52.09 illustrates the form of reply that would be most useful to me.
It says 5.46.20
